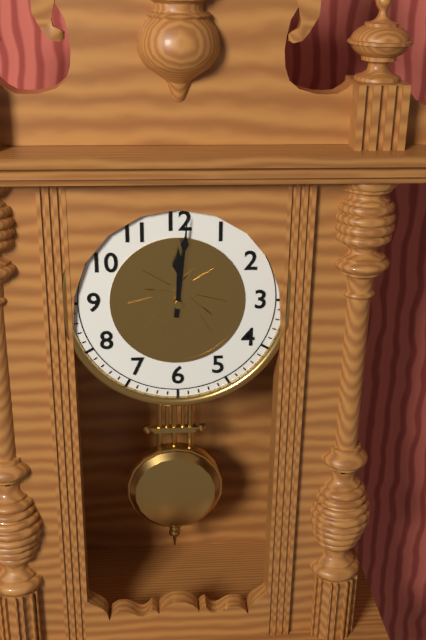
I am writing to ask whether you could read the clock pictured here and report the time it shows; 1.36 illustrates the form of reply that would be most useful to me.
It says 12.01
